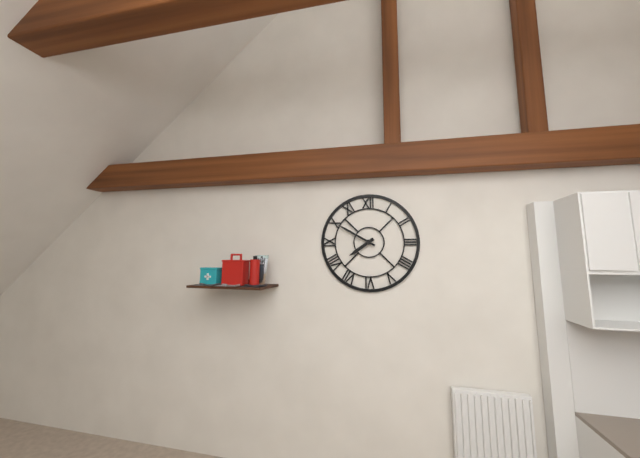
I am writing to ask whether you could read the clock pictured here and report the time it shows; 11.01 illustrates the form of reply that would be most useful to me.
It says 7.50
